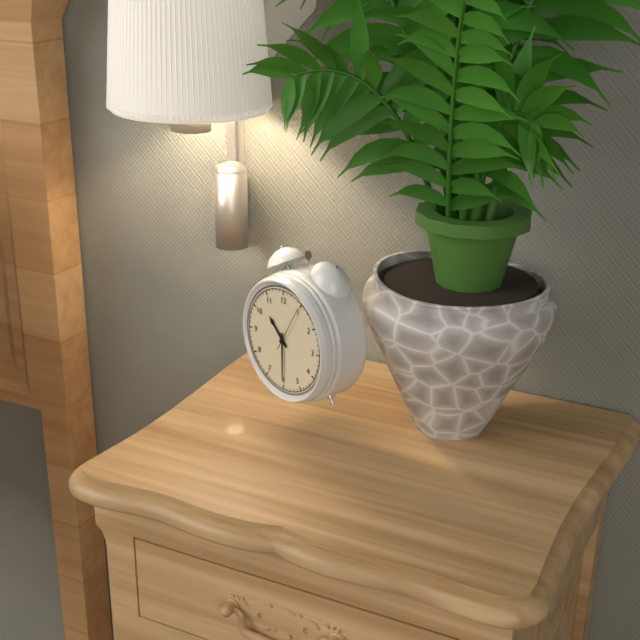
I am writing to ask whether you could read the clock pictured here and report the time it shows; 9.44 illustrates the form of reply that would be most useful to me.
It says 10.30
